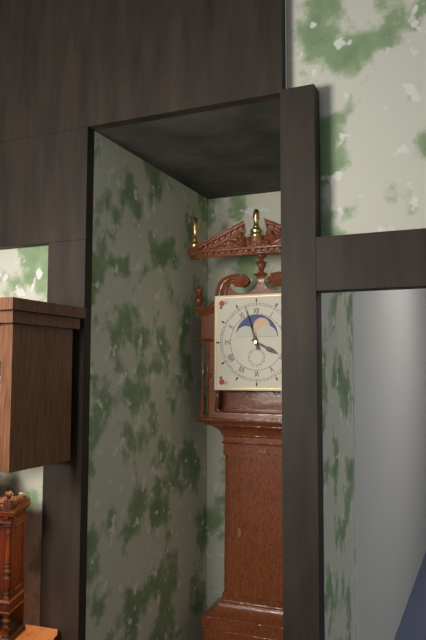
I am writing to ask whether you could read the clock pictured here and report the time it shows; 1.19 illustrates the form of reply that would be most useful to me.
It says 3.57
